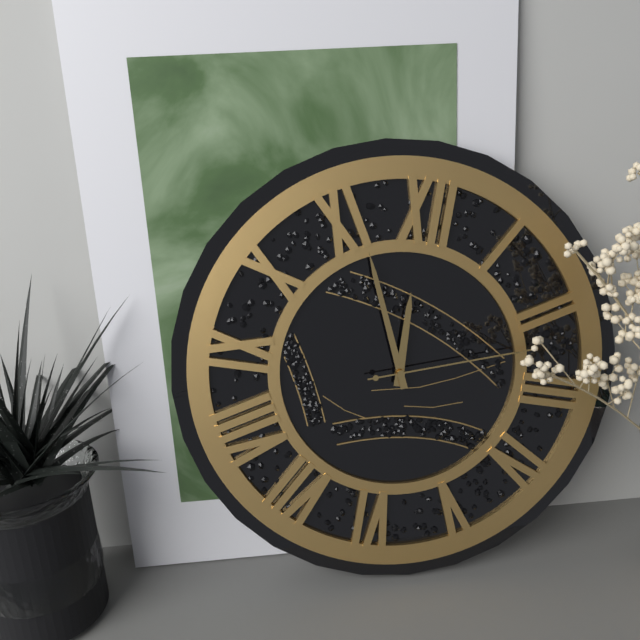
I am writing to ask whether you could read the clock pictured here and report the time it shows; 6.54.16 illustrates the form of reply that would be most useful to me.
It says 11.56.12
